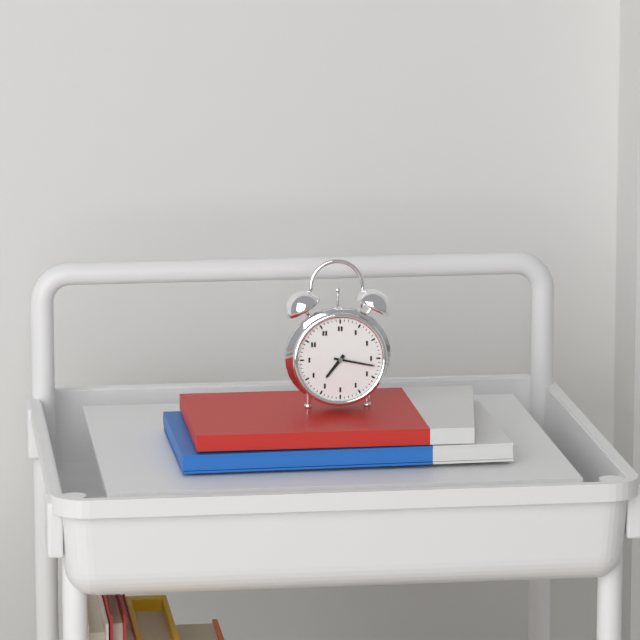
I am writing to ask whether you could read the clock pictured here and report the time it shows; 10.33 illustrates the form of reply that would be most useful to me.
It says 7.17
